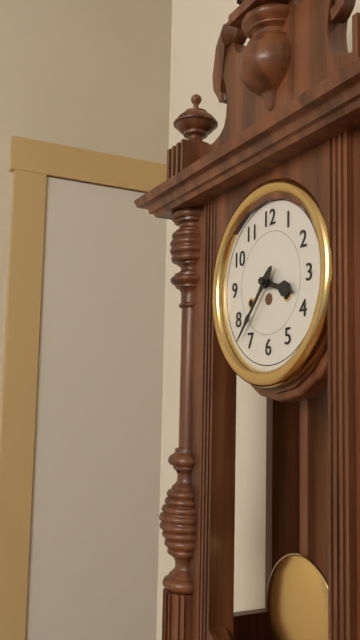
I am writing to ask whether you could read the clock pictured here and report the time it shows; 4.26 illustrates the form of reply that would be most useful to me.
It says 3.37
